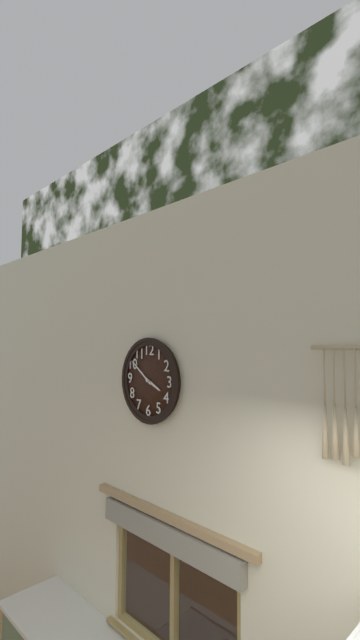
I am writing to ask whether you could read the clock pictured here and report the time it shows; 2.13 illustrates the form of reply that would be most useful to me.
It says 3.51
